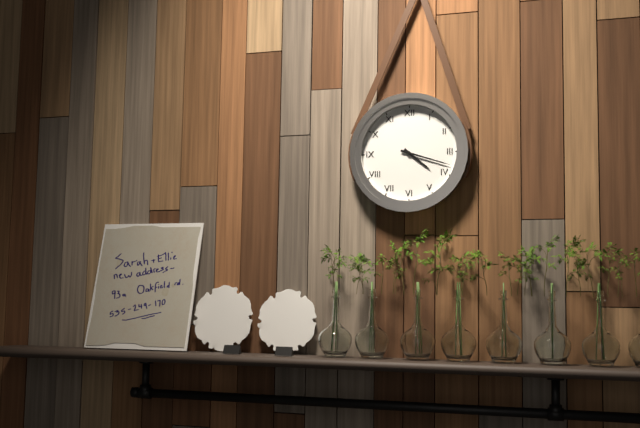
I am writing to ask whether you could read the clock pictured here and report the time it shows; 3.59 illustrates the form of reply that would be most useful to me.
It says 4.18
